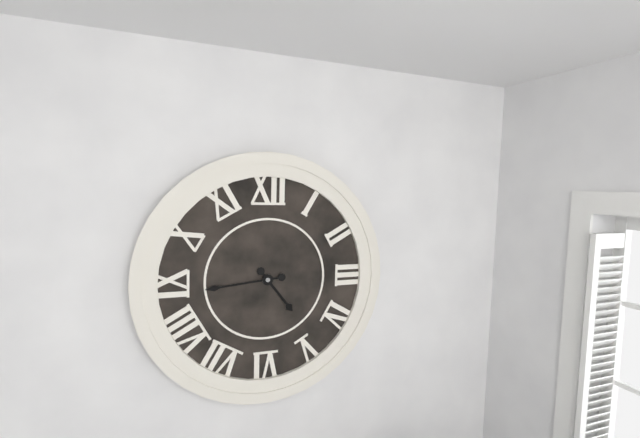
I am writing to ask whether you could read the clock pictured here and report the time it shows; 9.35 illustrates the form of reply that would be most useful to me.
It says 4.44
